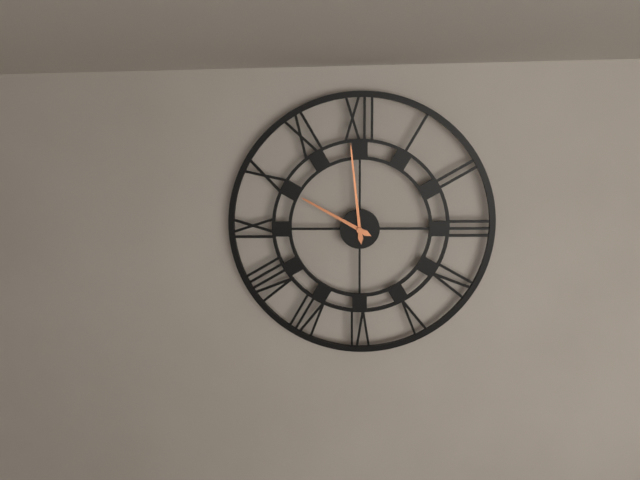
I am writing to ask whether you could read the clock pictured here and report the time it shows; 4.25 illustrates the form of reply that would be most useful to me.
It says 9.59
